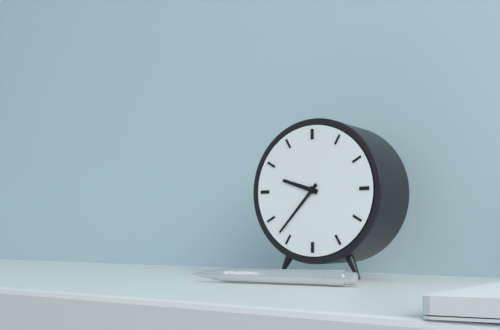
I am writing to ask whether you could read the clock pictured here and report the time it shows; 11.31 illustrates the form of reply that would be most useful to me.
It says 9.37
